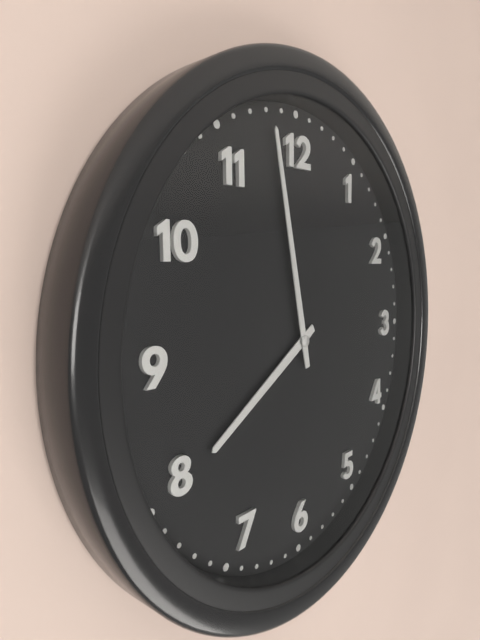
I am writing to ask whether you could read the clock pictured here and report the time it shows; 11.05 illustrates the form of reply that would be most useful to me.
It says 7.58
